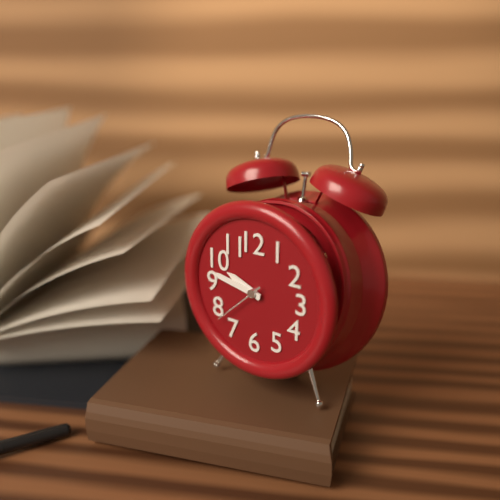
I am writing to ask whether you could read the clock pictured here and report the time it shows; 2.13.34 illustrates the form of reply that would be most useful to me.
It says 9.47.38
